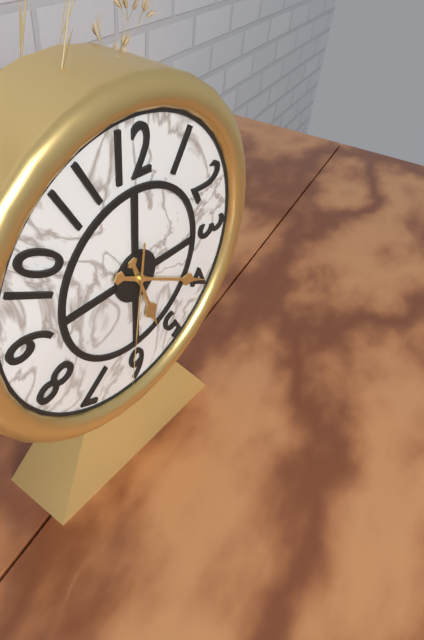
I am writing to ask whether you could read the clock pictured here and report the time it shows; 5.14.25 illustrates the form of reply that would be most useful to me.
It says 5.20.31
